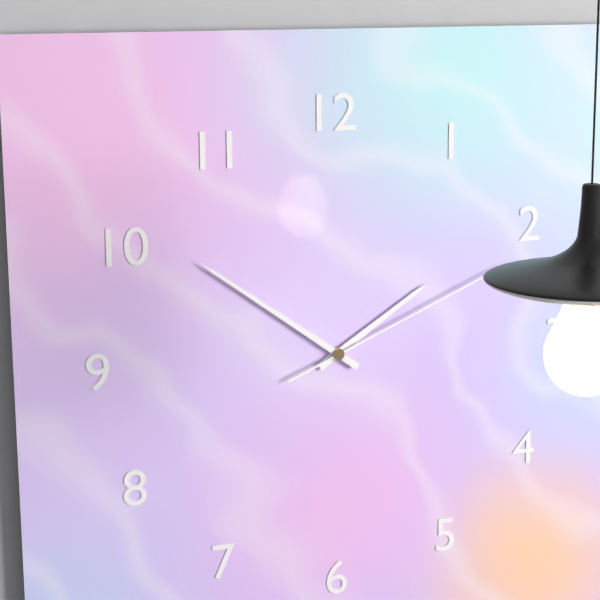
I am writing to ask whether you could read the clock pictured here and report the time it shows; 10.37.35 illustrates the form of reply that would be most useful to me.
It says 1.51.11
